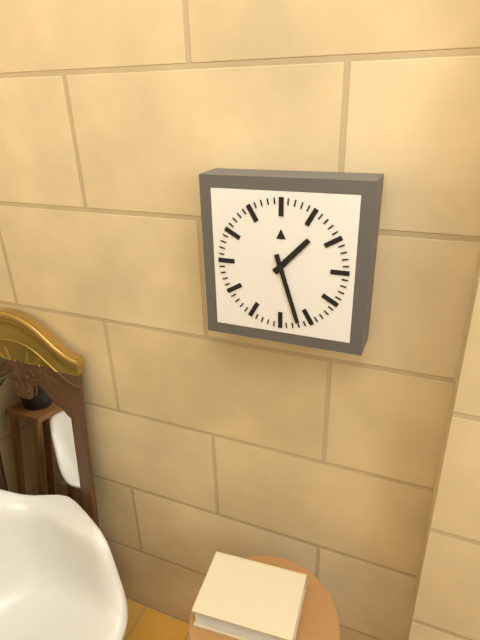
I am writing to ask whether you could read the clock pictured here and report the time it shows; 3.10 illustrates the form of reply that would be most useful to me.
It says 1.27
